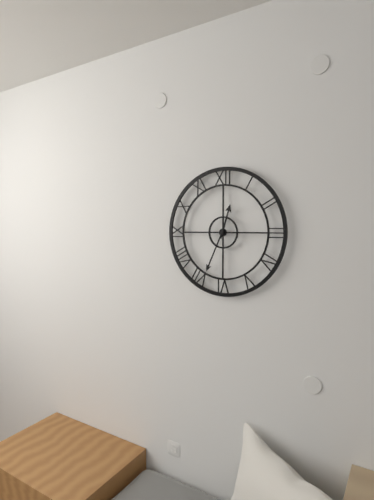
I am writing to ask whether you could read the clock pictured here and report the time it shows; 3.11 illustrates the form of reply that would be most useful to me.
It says 12.34
